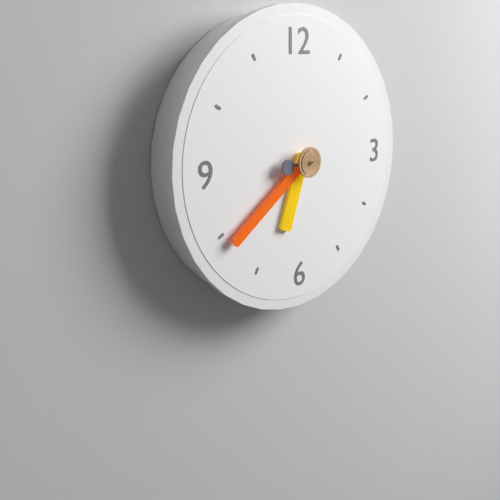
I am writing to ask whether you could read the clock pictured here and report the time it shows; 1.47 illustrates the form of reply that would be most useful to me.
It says 6.39
